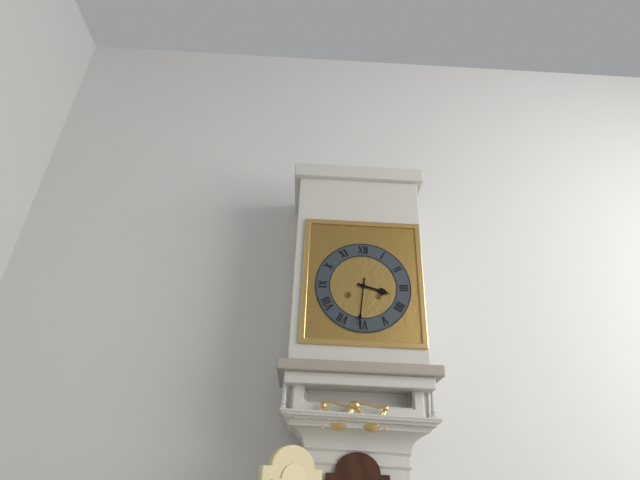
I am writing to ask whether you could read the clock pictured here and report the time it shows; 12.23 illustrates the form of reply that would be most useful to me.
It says 3.31
